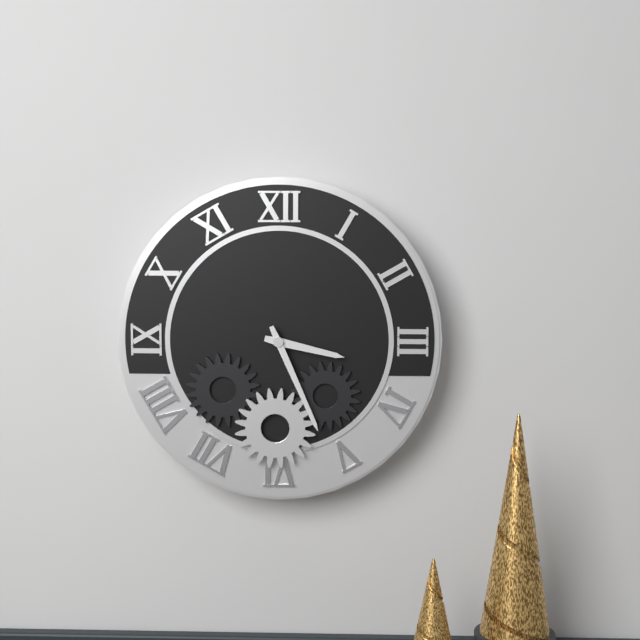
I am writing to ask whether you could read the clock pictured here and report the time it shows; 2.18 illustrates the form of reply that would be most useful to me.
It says 3.26
